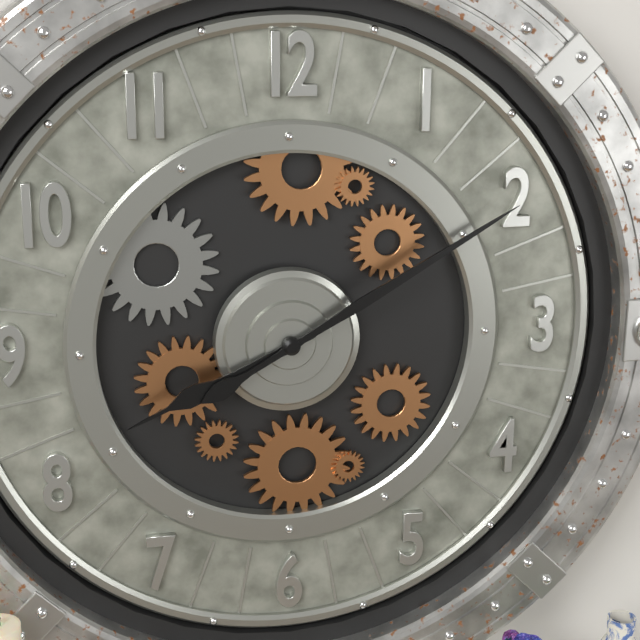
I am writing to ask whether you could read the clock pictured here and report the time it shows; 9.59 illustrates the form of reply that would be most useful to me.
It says 8.10
